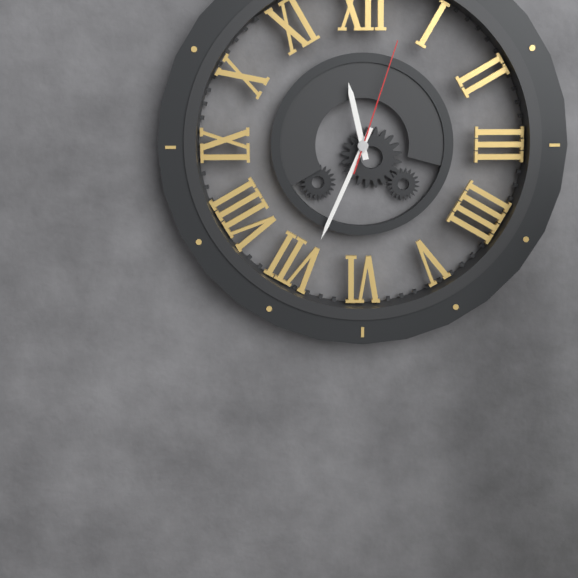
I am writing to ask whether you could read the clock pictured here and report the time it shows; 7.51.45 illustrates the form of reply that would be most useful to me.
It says 11.34.03
